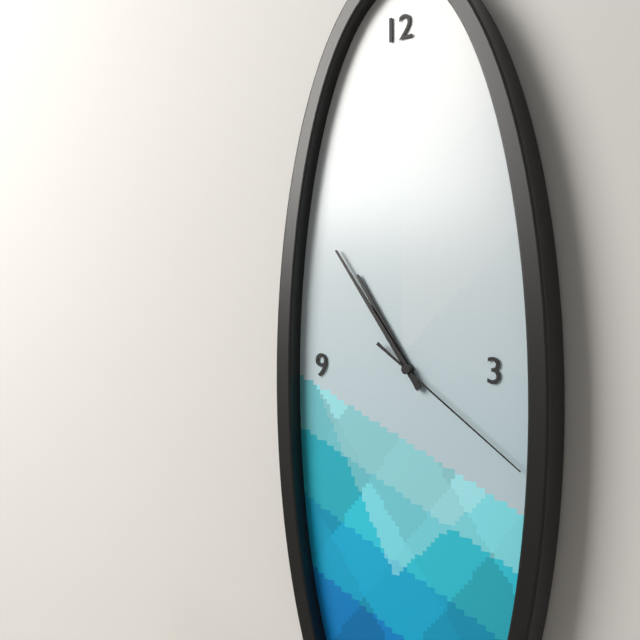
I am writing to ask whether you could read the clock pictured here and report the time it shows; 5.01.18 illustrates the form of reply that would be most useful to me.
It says 10.54.21
